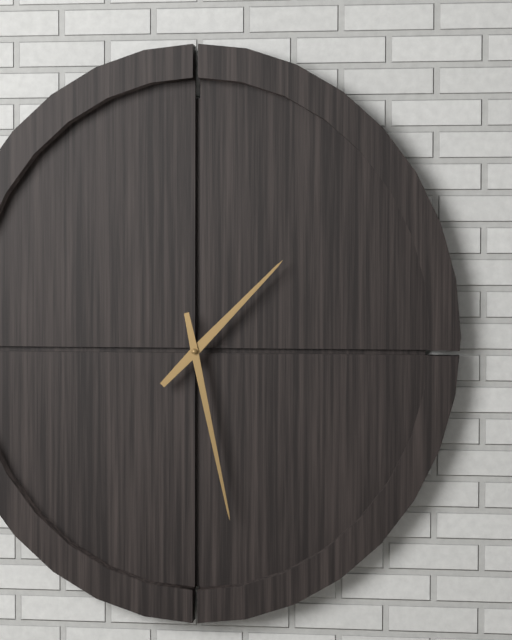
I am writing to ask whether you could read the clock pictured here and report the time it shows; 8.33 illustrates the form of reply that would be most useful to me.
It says 1.28
